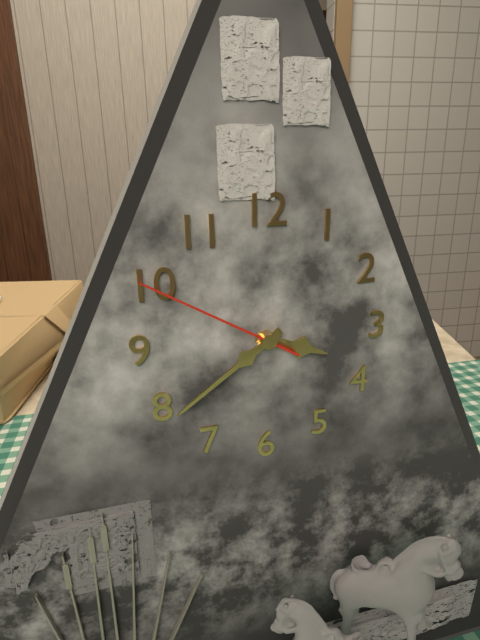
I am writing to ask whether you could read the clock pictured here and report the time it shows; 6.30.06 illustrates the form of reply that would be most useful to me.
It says 3.39.50
